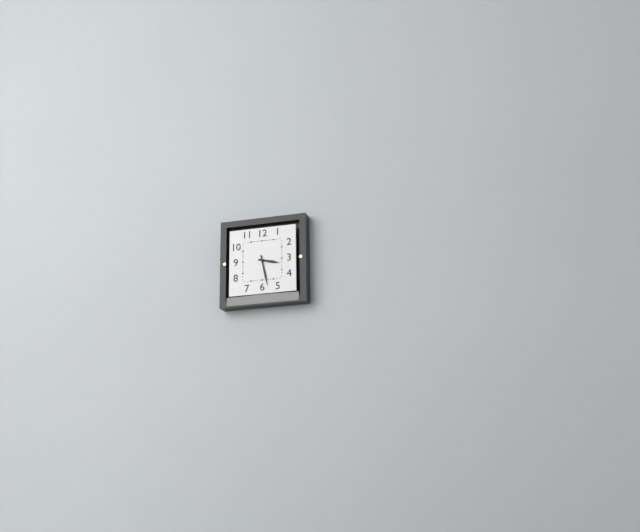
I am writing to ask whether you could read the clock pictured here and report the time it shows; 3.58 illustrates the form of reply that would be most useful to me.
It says 3.28
